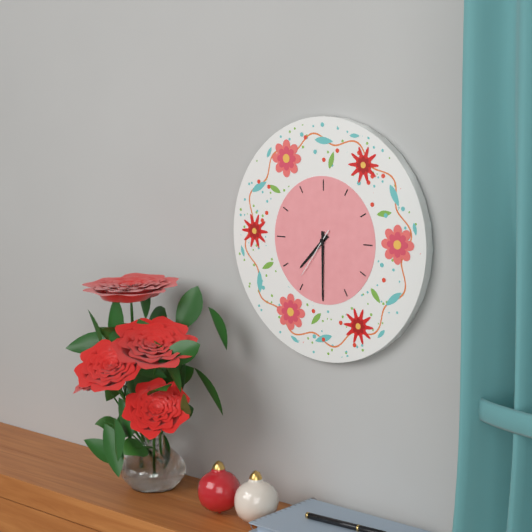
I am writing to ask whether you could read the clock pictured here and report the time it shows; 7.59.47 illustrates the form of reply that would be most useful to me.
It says 7.30.36
